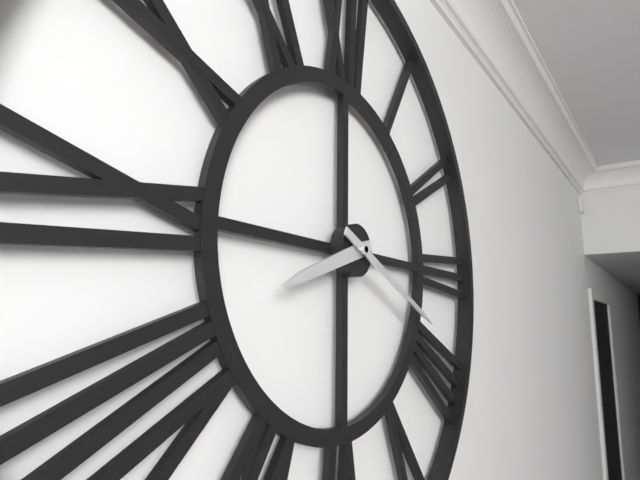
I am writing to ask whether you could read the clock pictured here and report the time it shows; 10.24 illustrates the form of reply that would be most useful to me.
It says 8.19
